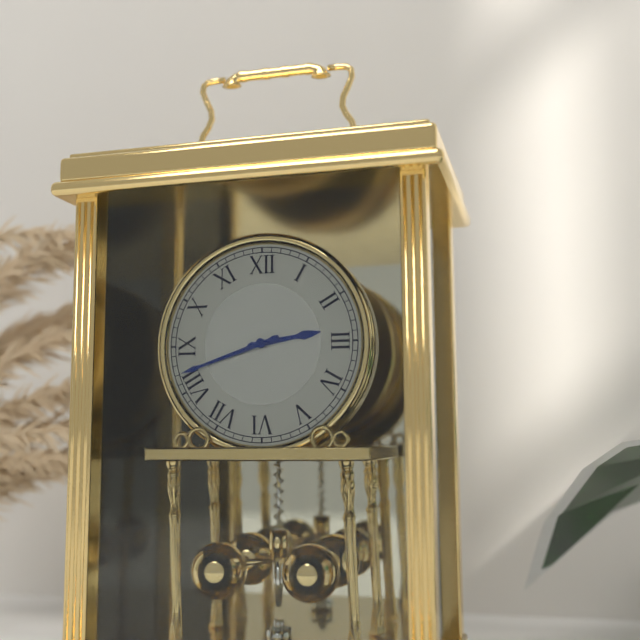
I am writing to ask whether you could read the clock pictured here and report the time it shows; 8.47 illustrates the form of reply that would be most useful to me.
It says 2.42
